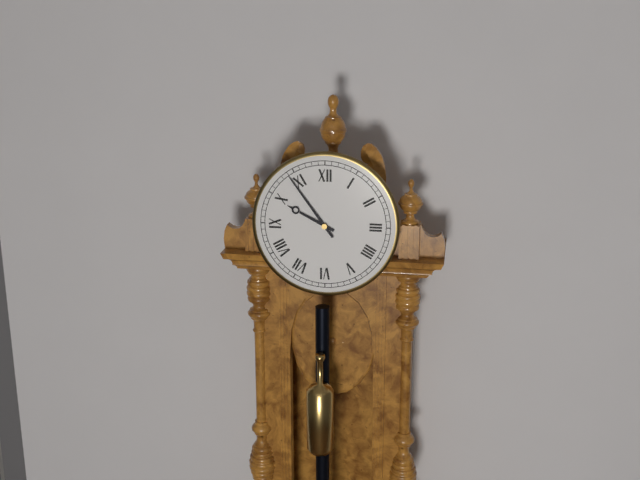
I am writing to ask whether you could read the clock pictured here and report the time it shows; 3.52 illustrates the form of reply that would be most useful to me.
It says 9.54
